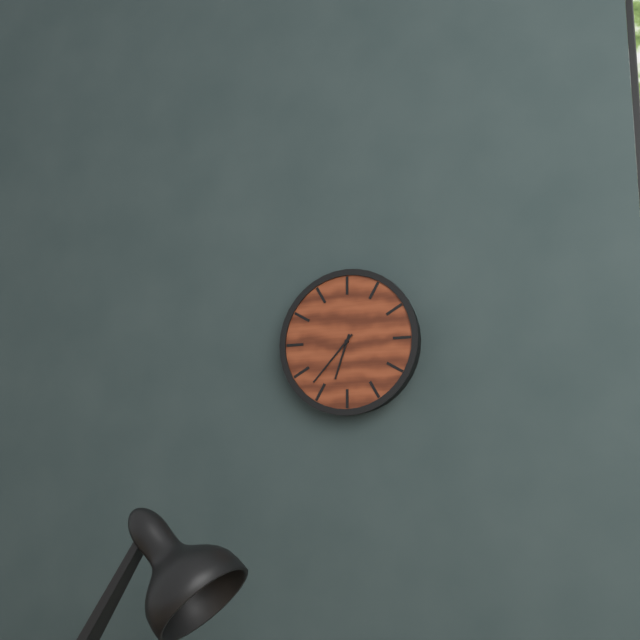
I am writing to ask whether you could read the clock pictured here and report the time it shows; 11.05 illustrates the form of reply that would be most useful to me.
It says 6.37
